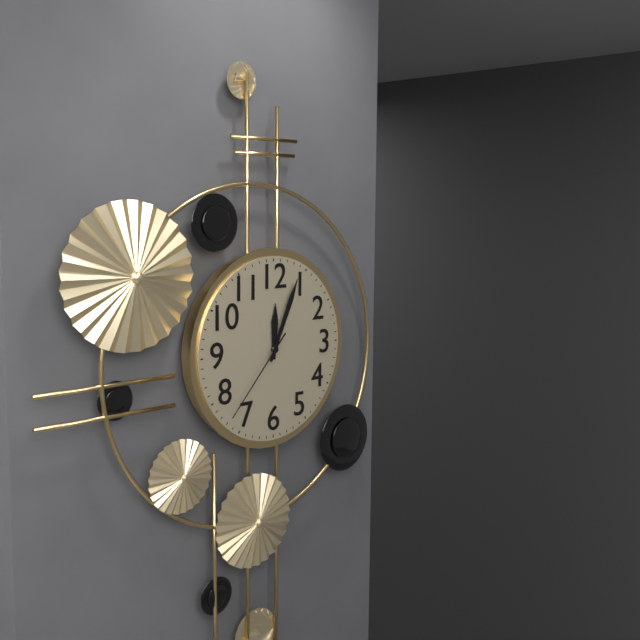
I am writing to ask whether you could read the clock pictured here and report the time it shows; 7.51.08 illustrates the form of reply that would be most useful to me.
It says 12.04.37
